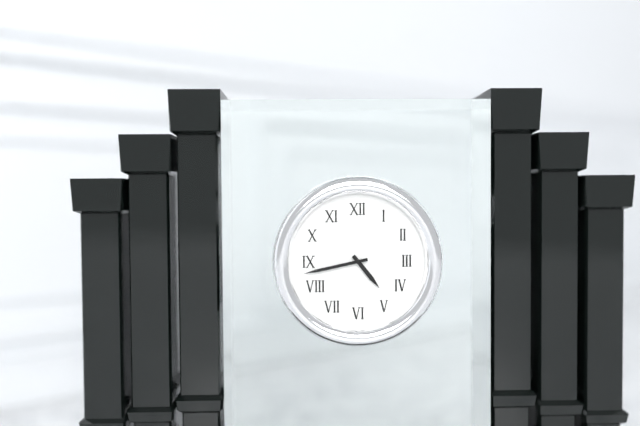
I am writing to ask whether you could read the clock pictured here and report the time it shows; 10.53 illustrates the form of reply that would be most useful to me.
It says 4.43
